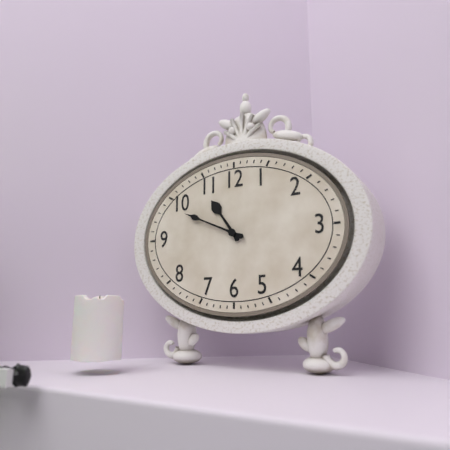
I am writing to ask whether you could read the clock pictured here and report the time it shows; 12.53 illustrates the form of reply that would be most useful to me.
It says 10.49
